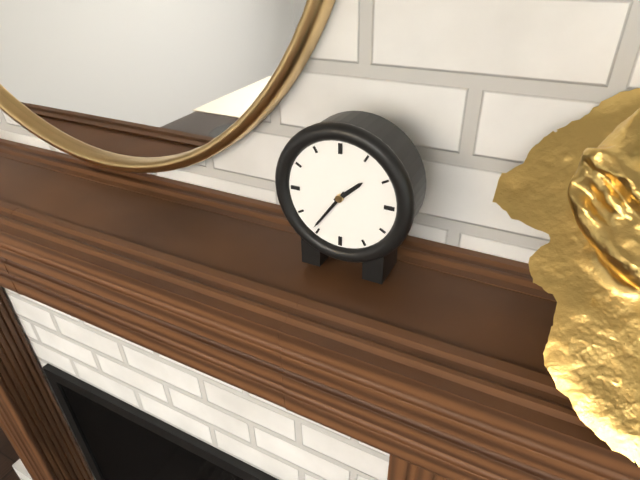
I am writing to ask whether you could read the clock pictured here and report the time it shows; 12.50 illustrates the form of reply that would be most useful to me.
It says 1.36
